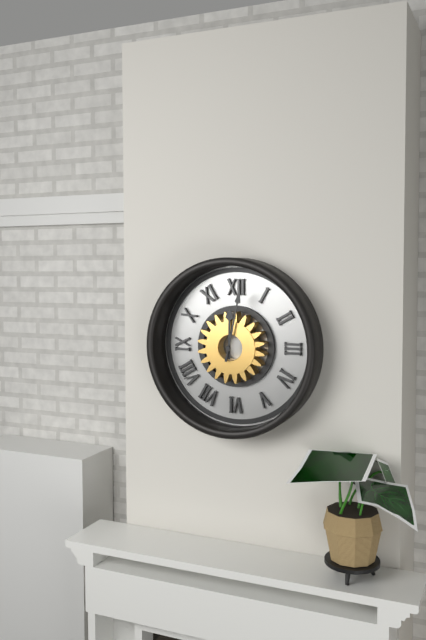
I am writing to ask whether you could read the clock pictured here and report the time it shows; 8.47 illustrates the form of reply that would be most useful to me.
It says 12.02
